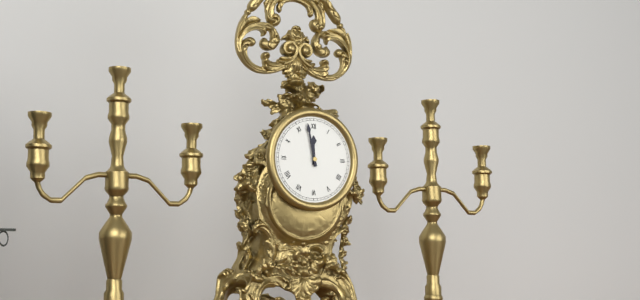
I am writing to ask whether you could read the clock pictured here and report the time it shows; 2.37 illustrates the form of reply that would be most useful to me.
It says 11.58
